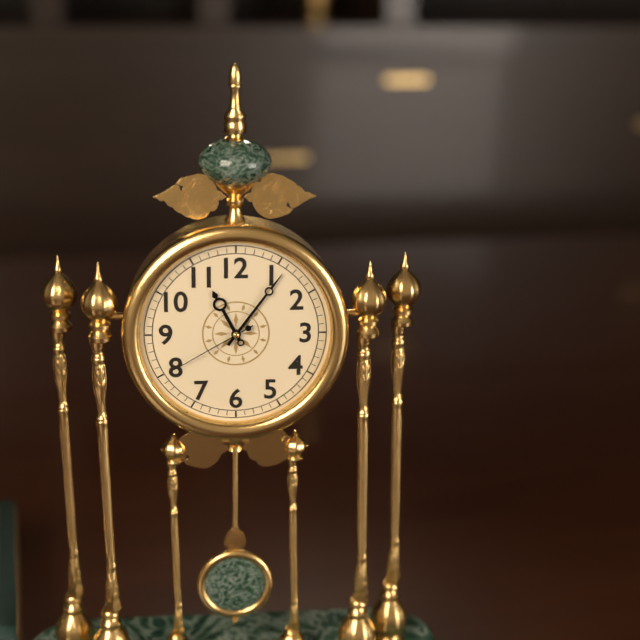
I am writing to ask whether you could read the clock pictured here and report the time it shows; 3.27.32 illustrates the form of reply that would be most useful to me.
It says 11.06.40
